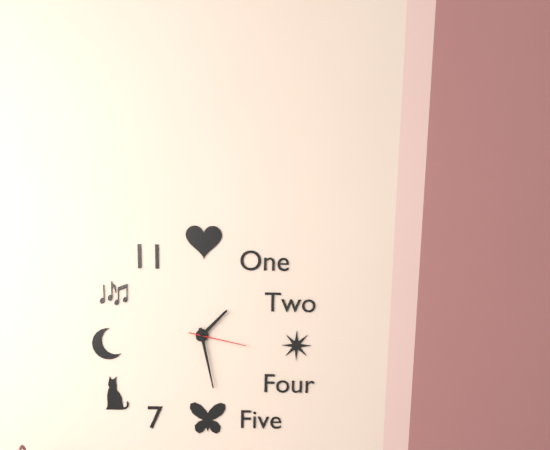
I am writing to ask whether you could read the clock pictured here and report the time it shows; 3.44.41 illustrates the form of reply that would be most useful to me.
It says 1.28.17
